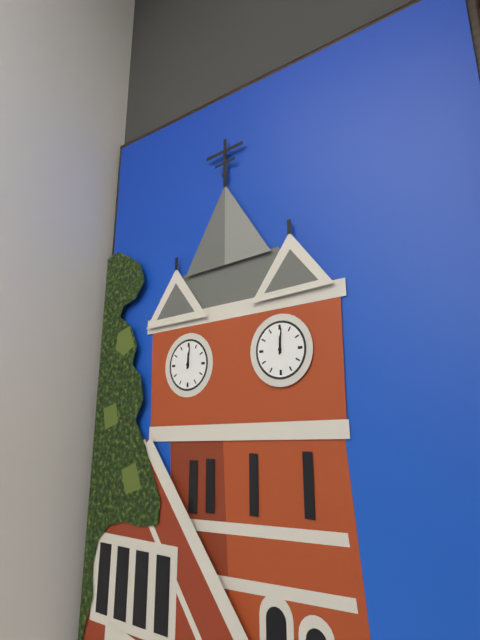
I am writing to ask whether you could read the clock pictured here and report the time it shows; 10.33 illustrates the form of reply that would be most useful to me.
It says 12.01
